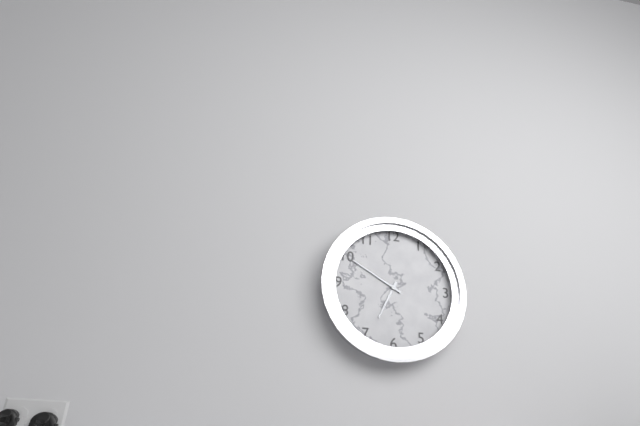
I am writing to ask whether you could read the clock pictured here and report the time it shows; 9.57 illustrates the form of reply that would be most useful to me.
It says 6.50
